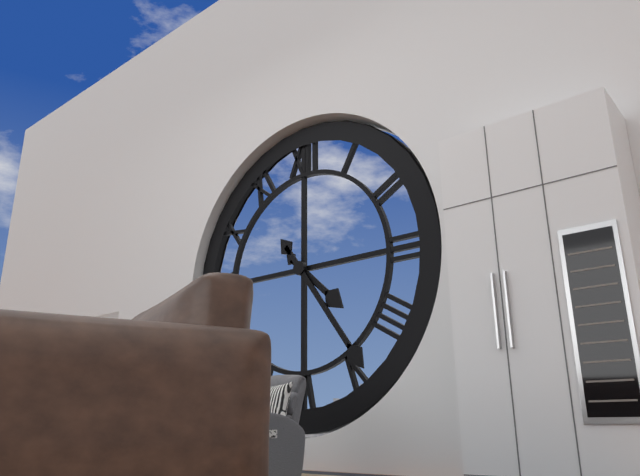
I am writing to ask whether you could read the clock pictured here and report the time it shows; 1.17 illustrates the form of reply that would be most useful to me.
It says 4.24
